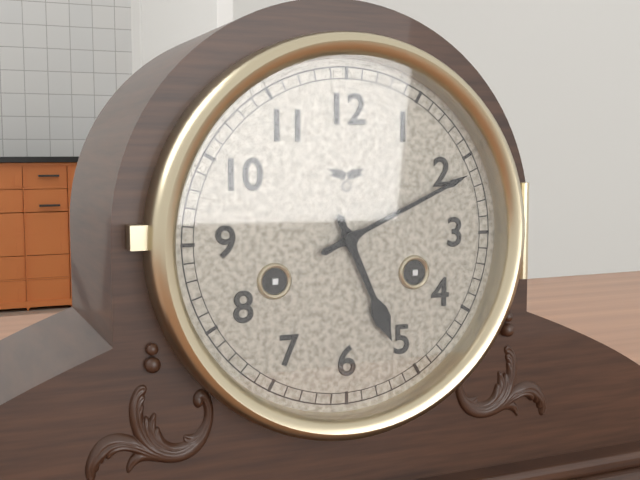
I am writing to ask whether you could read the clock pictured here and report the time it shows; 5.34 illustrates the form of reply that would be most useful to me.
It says 5.11
